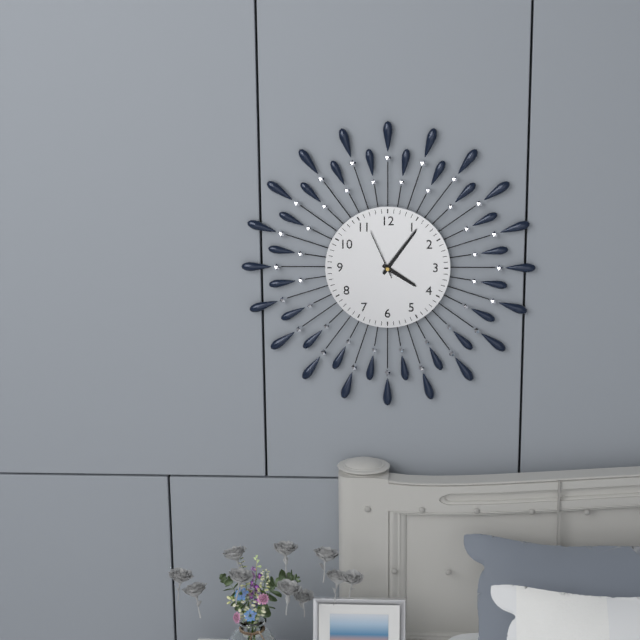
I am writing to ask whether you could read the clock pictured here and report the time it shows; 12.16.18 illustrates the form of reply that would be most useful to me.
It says 4.06.56
